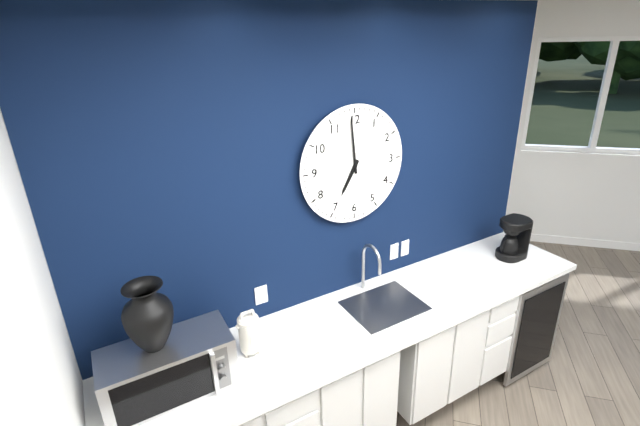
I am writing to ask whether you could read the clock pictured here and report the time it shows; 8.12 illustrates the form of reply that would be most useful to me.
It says 6.59
